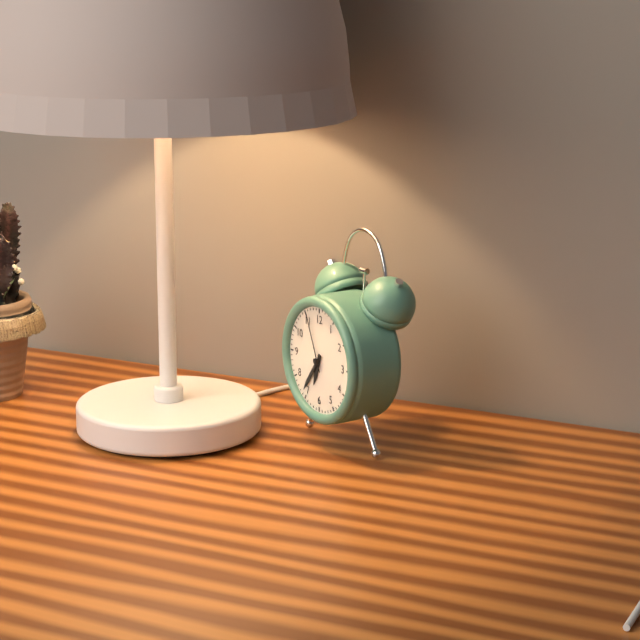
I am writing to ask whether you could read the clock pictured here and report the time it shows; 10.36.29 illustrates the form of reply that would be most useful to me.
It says 6.36.56
